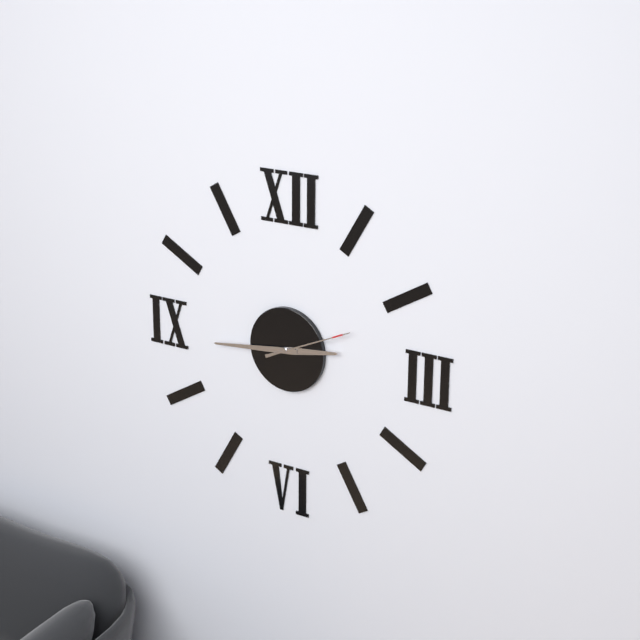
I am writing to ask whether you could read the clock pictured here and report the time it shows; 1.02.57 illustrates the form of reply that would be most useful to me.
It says 2.44.11
